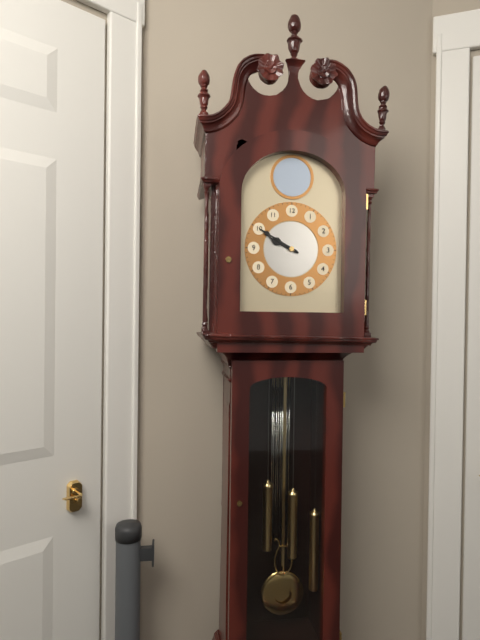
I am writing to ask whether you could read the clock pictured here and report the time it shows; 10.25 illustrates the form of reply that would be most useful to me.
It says 9.50
